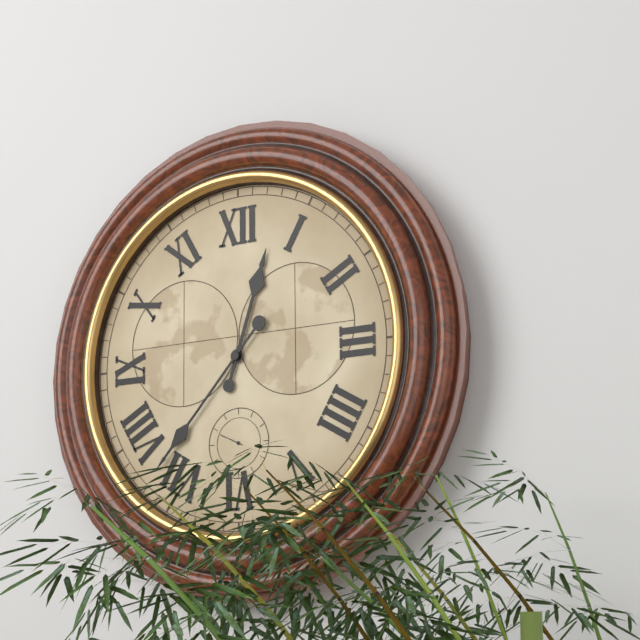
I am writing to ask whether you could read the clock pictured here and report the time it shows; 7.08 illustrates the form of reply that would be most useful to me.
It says 12.37
